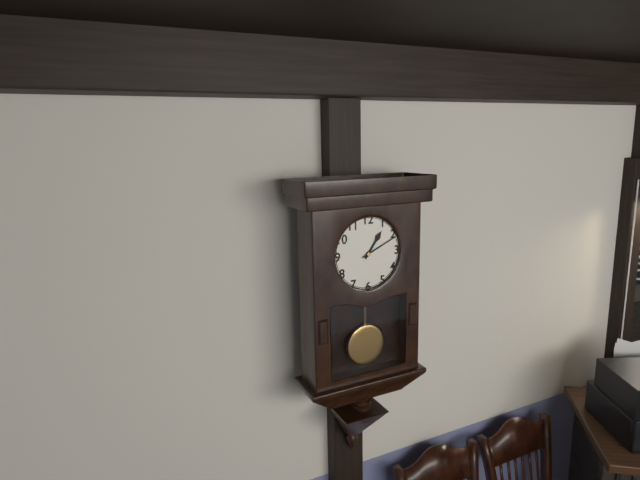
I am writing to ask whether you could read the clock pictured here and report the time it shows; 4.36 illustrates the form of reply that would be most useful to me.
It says 1.11
